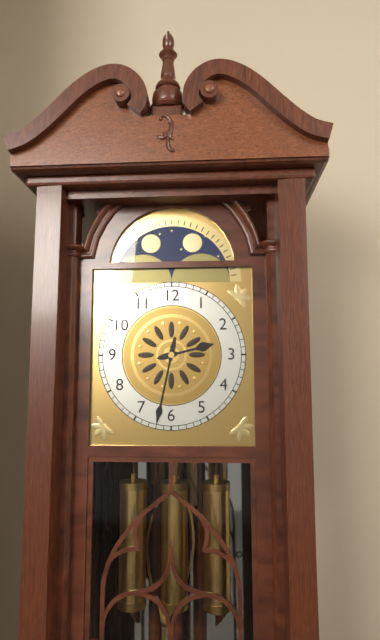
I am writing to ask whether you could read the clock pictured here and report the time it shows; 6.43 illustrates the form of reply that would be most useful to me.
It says 2.32
